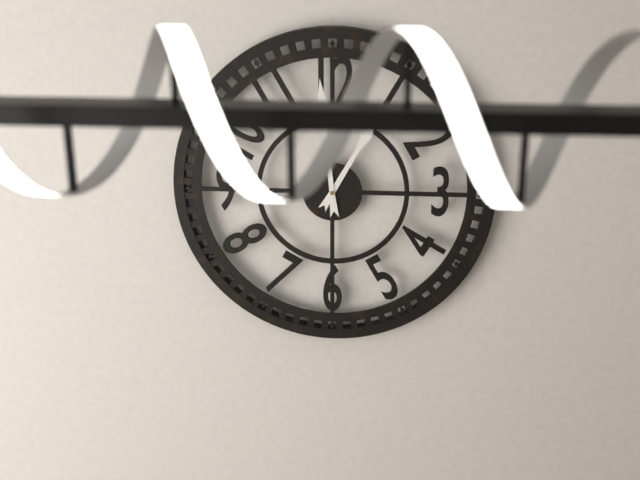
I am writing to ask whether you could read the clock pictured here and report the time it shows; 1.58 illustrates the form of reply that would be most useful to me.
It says 12.59
